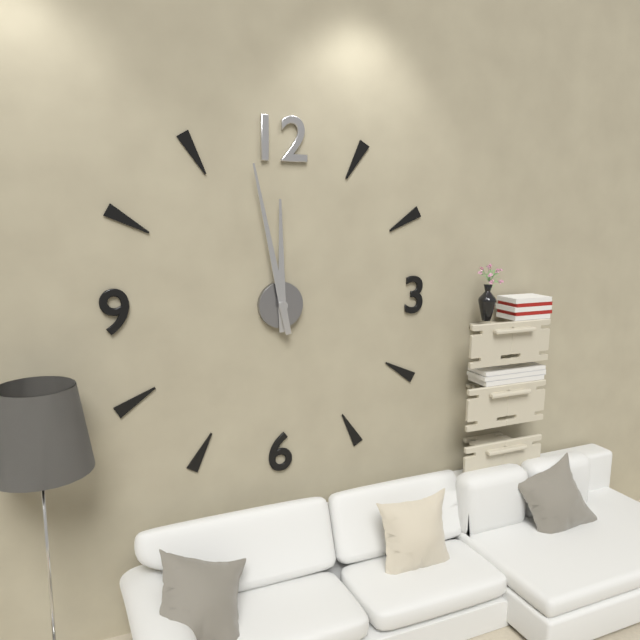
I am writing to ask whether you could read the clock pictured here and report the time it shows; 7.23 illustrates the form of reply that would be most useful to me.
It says 11.58
